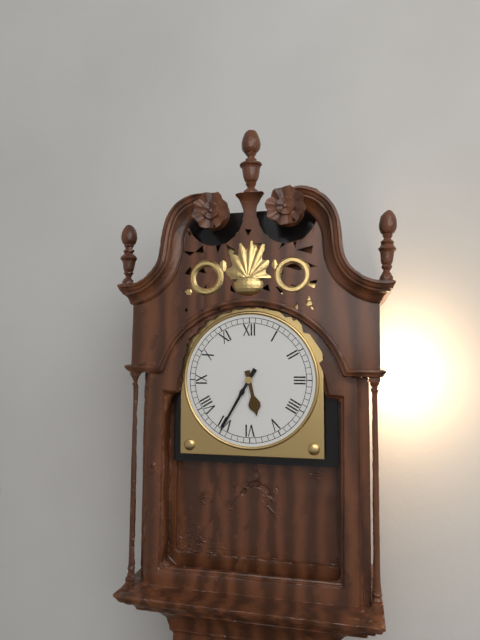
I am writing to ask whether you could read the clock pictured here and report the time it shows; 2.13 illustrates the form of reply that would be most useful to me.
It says 5.35
